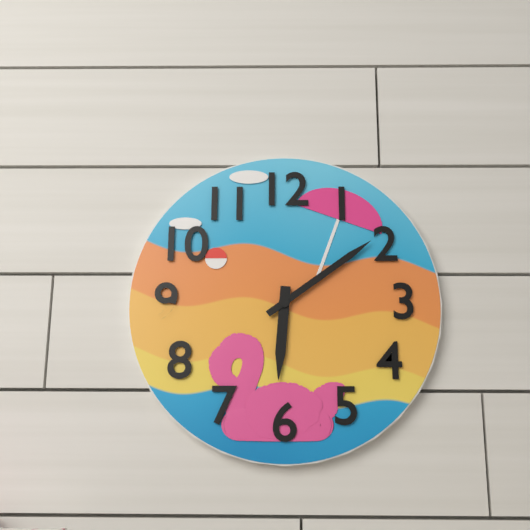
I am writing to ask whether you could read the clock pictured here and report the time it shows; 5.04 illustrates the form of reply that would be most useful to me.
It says 6.09
